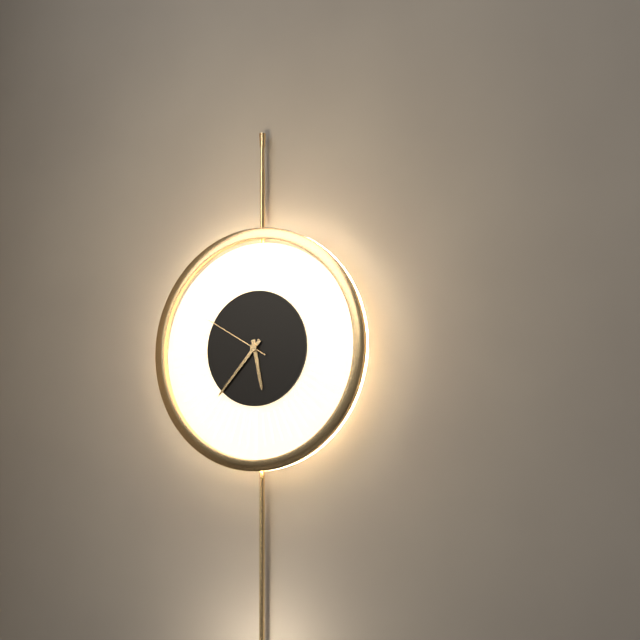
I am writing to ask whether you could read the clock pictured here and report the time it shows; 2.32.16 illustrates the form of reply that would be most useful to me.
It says 5.37.50
